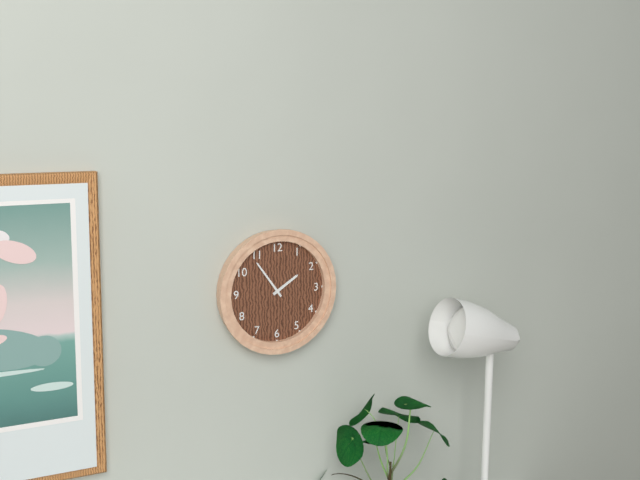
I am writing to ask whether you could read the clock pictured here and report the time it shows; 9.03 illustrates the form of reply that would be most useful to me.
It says 1.54
